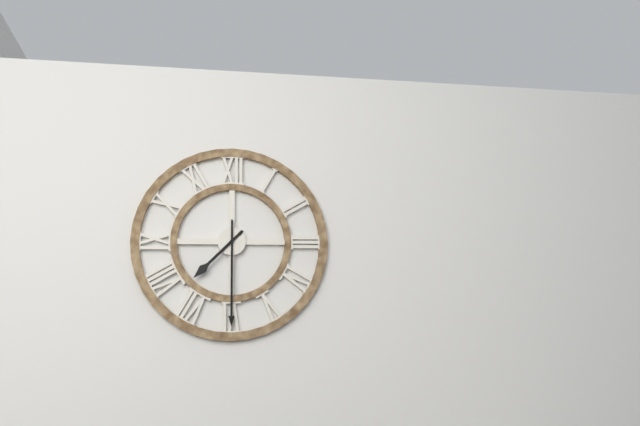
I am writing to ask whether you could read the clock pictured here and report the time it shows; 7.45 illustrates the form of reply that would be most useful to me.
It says 7.30
